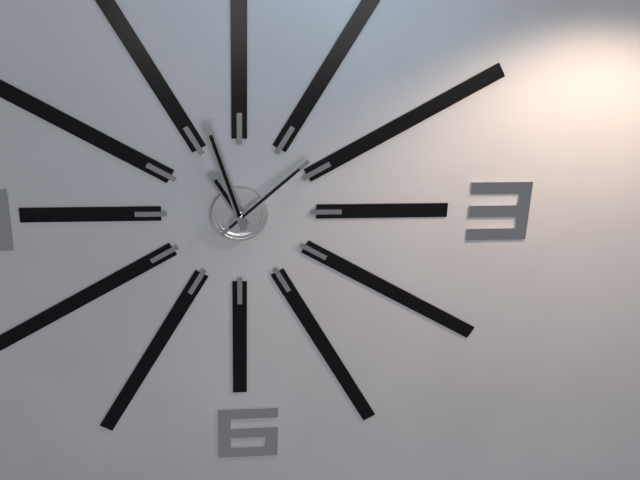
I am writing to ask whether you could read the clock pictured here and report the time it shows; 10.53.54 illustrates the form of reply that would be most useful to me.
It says 10.57.08
